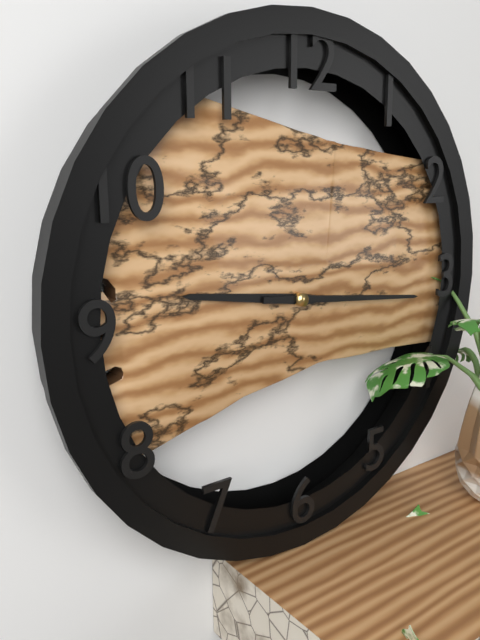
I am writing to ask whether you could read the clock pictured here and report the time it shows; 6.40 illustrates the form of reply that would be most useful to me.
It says 9.16
